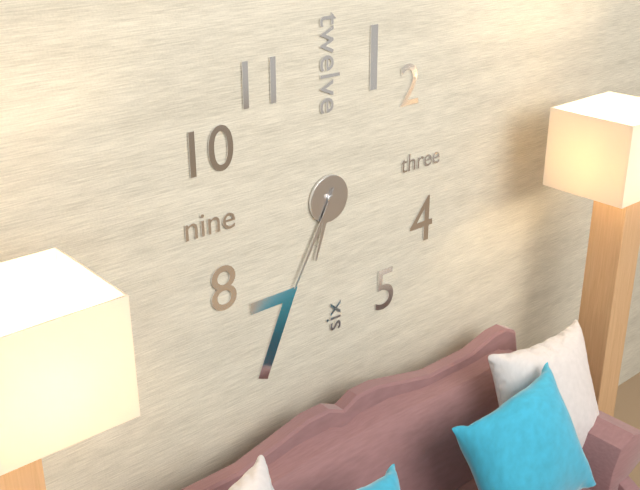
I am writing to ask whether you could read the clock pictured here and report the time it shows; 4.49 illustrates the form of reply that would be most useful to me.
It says 6.35
